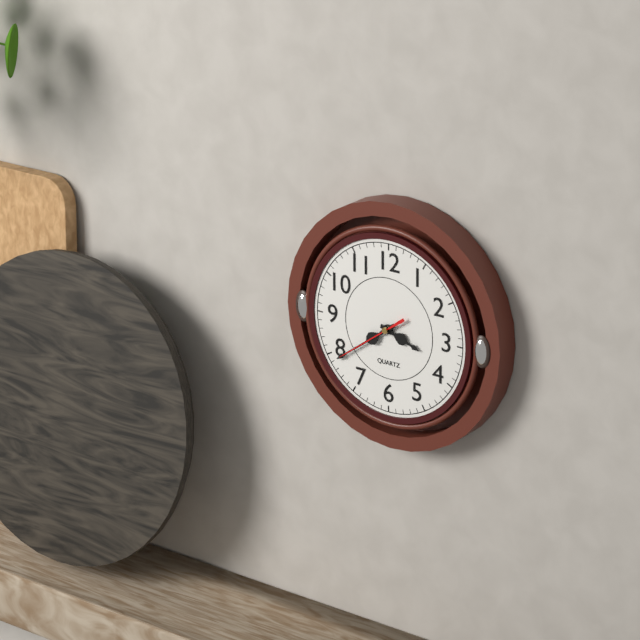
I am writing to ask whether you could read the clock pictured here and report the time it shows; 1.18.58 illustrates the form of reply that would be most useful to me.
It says 3.39.39
